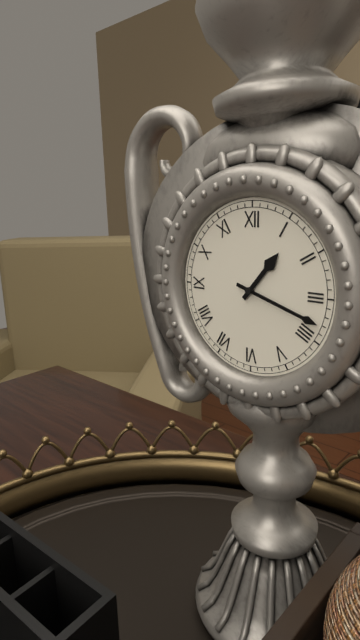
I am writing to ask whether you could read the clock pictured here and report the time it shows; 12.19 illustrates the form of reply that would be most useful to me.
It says 1.18
